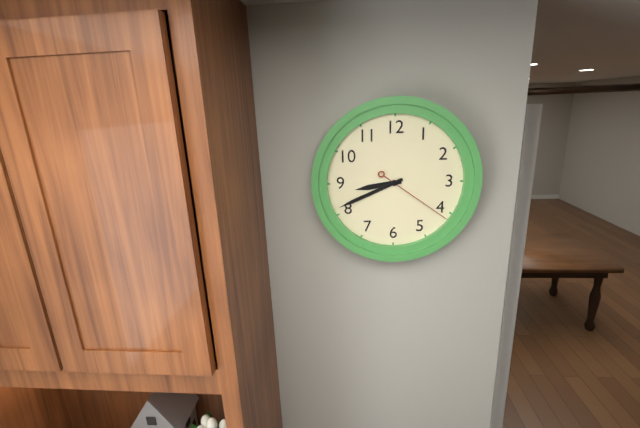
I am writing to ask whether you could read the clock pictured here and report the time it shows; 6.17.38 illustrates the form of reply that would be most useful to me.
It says 8.41.21
